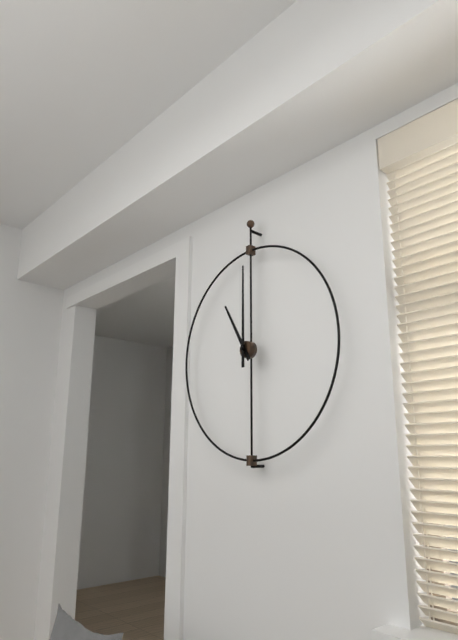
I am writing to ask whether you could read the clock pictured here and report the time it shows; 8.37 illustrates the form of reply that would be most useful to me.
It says 11.00
